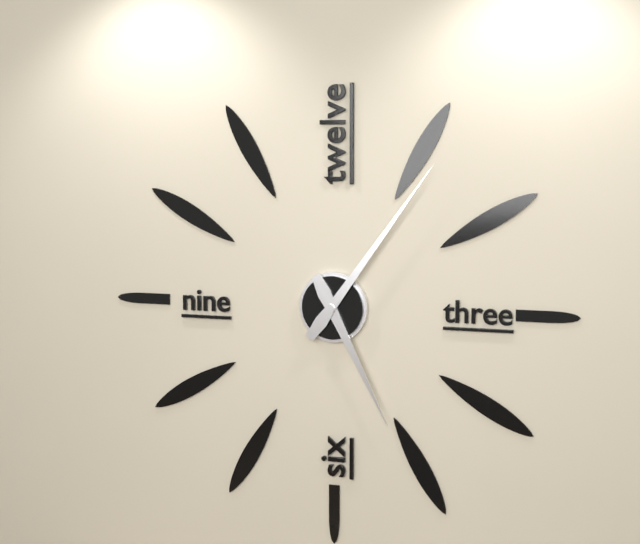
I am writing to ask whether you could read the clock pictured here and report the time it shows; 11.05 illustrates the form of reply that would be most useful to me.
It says 5.06
